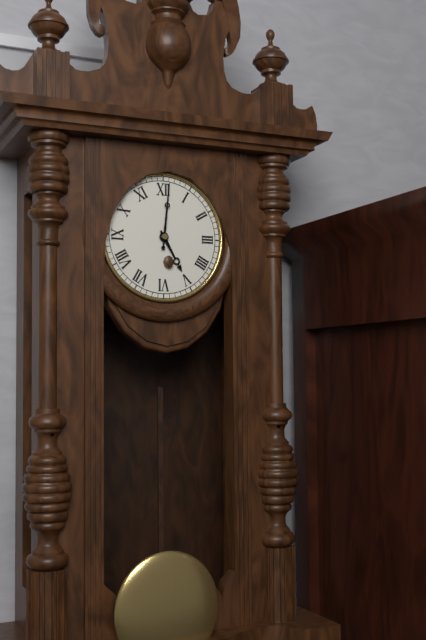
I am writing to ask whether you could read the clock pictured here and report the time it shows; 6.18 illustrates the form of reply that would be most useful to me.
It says 5.01
